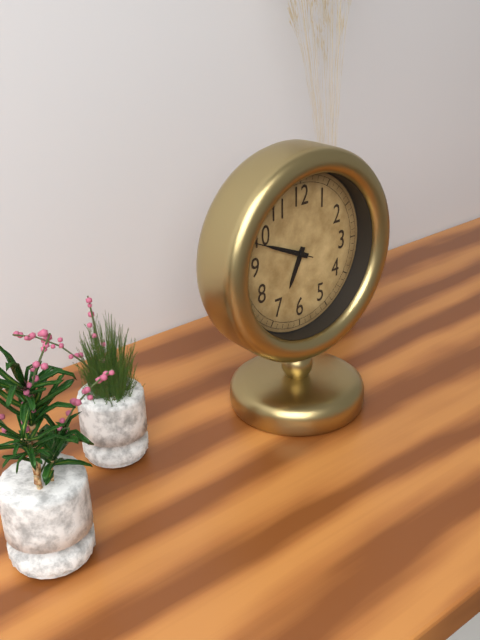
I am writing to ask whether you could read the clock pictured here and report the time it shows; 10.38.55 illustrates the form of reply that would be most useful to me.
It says 6.49.49
